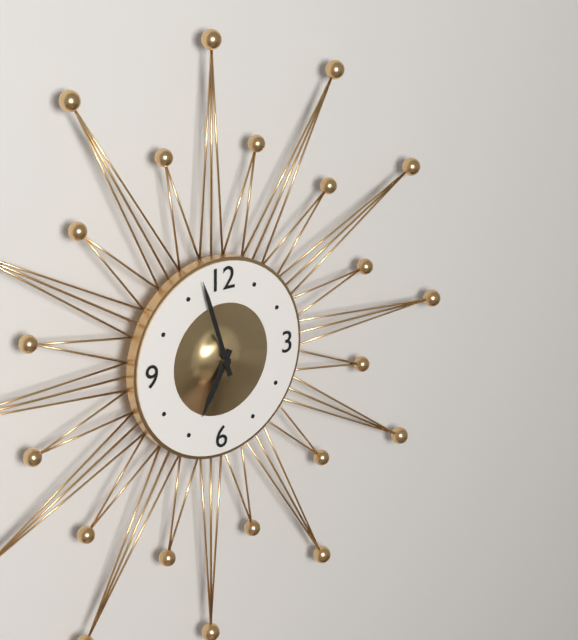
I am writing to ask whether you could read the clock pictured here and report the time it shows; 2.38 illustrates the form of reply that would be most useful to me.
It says 6.57
